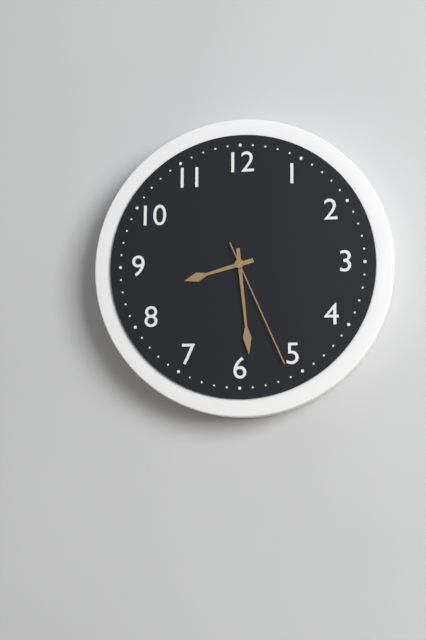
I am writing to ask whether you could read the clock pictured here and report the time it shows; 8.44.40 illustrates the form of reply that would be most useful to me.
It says 8.29.26
